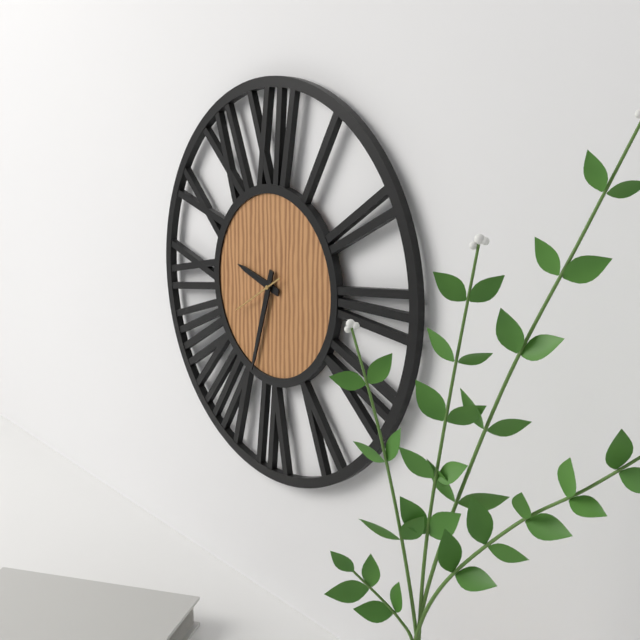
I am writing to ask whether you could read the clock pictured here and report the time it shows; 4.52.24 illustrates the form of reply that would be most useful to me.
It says 9.33.40
